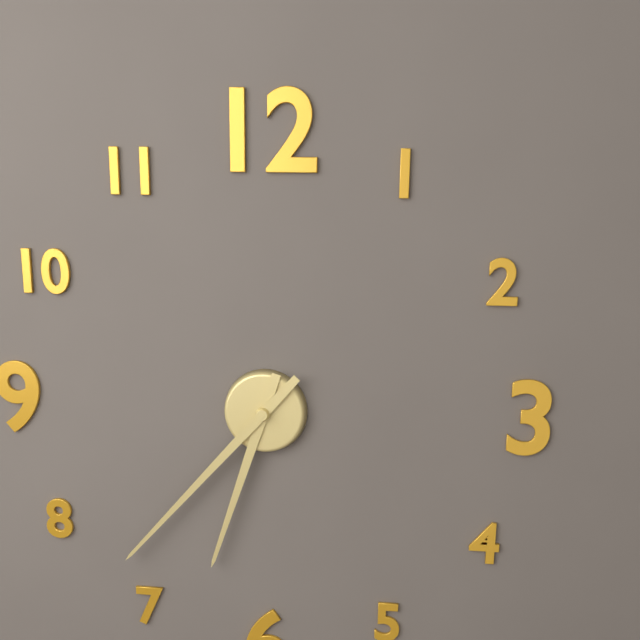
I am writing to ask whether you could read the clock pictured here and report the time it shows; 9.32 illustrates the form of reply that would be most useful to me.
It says 6.37
